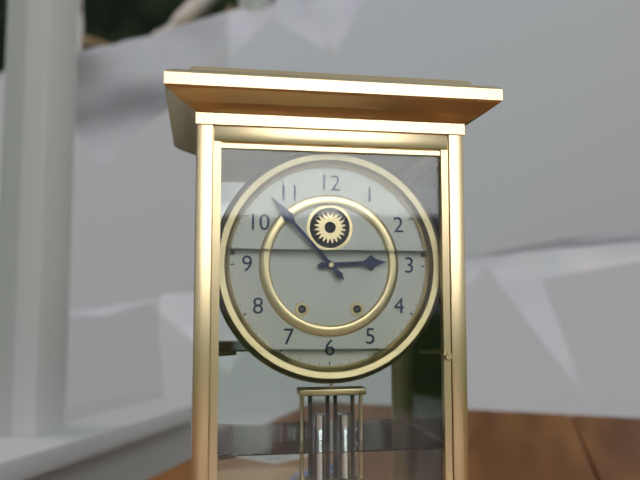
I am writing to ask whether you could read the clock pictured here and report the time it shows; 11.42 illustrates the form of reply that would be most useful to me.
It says 2.53
